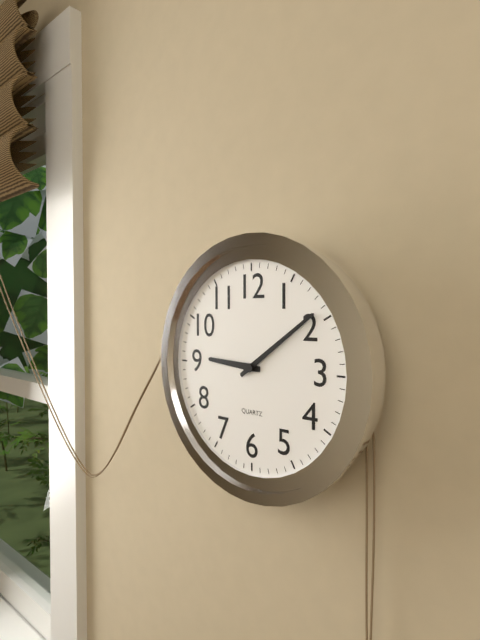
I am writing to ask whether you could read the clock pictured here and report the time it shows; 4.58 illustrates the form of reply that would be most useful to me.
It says 9.09
